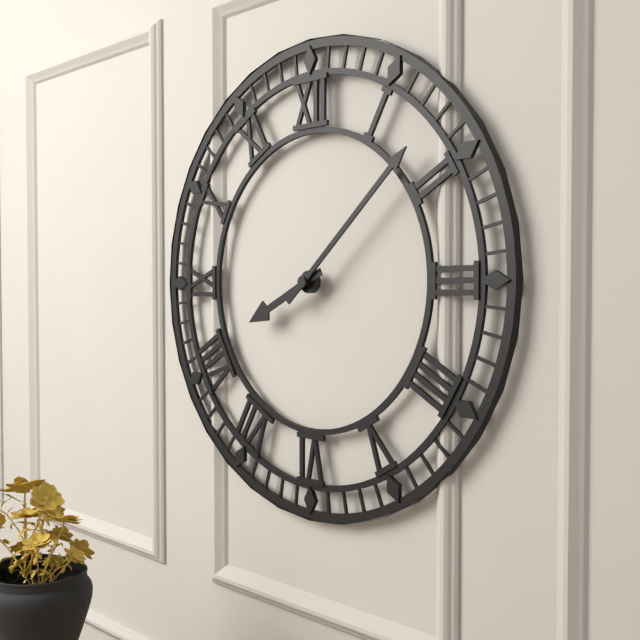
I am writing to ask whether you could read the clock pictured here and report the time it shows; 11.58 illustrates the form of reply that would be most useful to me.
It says 8.08
